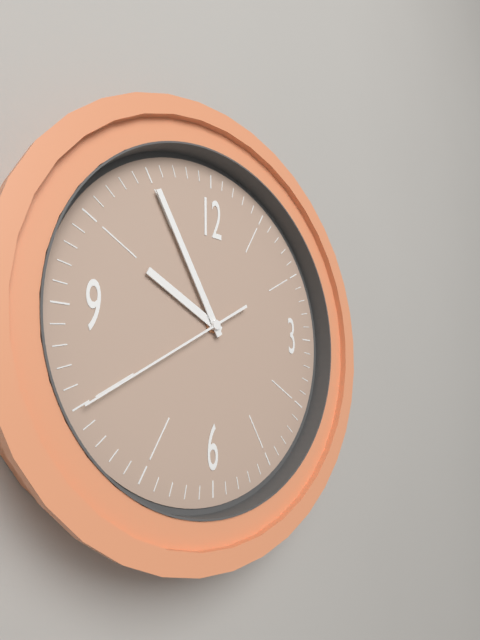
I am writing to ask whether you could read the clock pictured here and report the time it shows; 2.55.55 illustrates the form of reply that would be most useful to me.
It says 9.55.40
